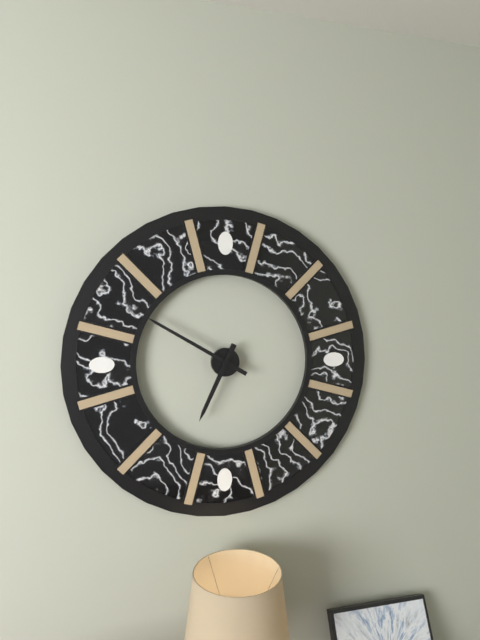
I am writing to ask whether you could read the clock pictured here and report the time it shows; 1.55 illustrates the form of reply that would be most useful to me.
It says 6.50
